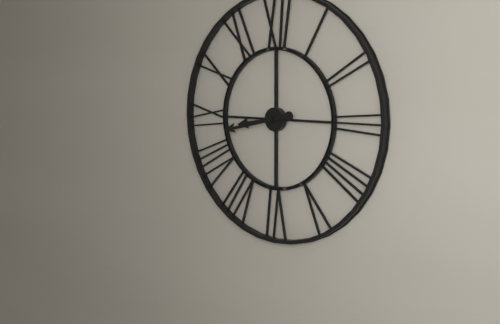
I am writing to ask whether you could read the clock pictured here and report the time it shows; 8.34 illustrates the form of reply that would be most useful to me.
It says 8.43
